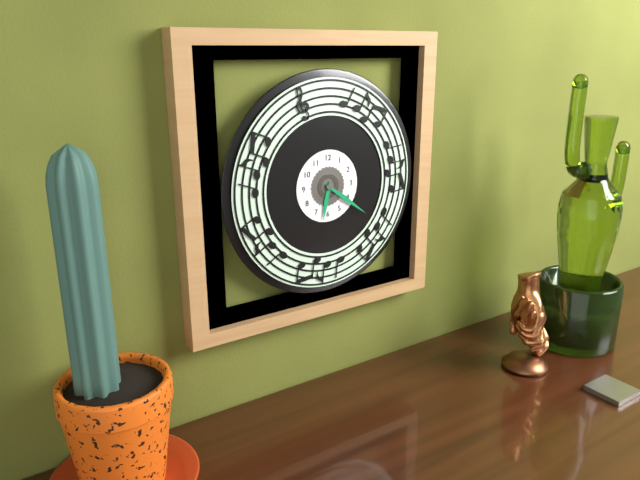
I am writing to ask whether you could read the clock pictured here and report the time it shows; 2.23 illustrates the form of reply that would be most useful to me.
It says 6.21
